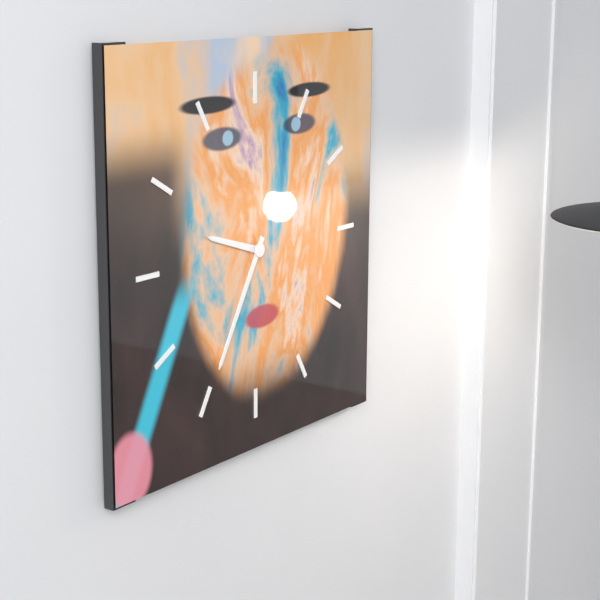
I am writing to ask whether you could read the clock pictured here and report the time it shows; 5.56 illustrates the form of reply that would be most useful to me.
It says 9.35
